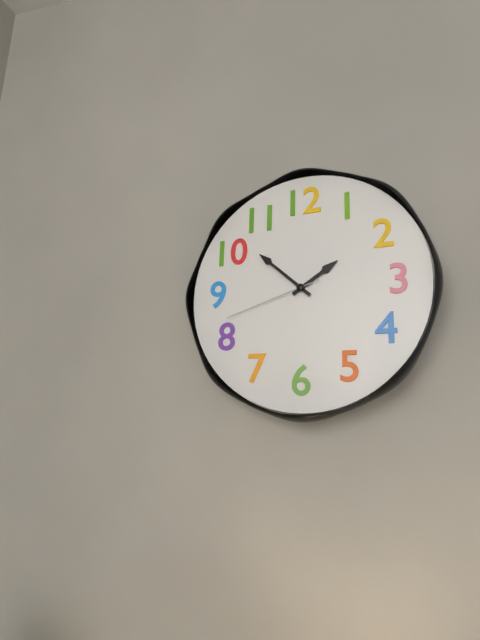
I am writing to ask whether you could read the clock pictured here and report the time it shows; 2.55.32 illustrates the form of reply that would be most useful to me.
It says 1.52.42
